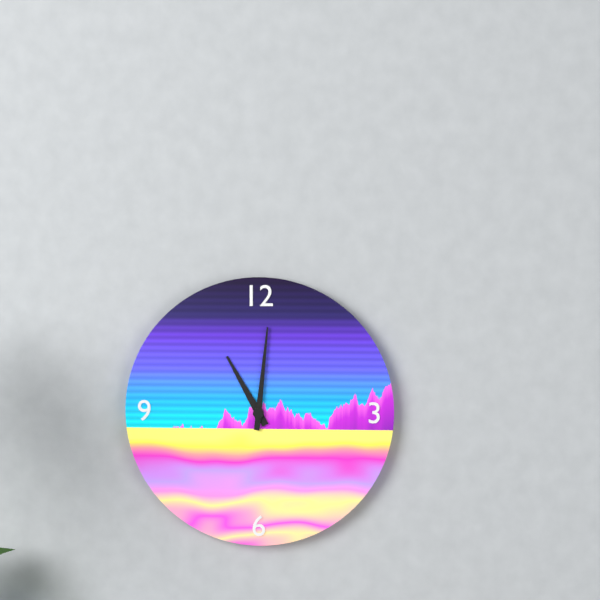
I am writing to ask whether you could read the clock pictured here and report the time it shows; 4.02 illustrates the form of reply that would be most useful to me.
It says 11.01
